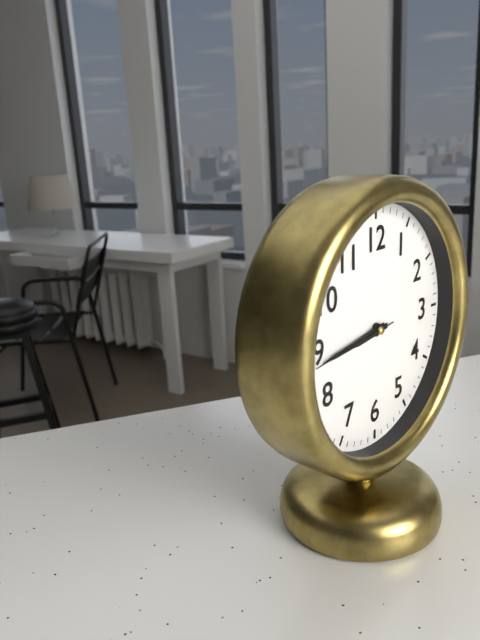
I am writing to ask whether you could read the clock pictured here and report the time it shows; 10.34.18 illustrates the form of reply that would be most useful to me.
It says 8.44.44
